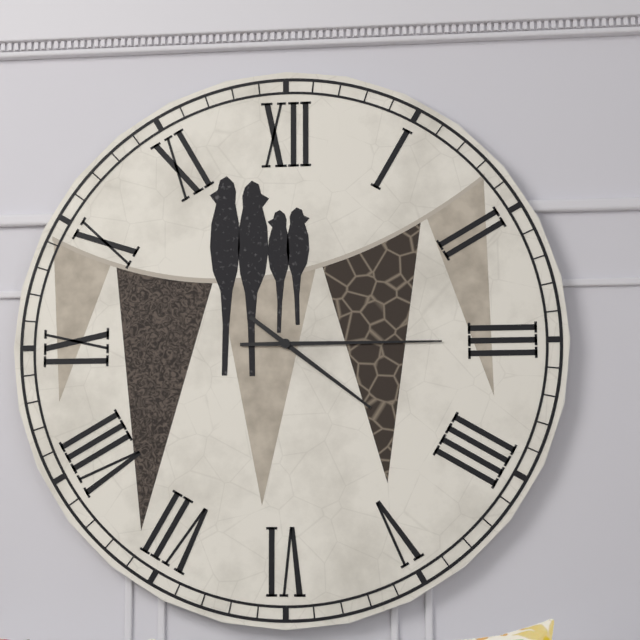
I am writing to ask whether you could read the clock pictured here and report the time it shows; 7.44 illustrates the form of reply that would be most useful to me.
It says 4.15
